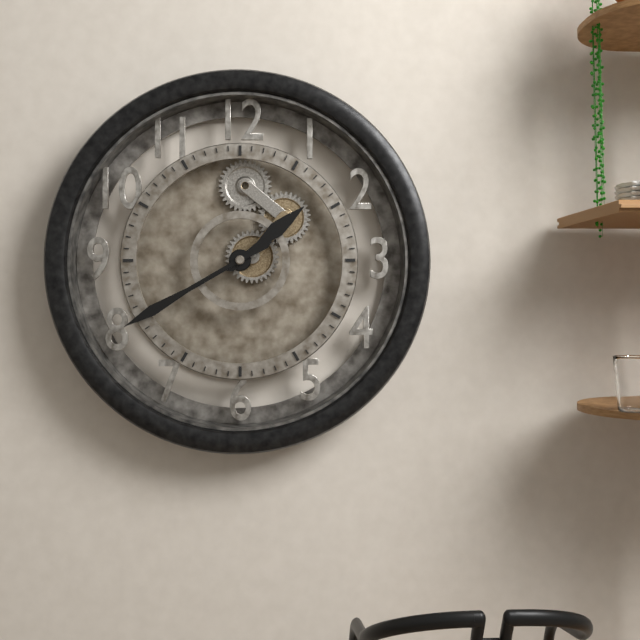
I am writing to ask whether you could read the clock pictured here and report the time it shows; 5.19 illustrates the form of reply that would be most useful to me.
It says 1.40
